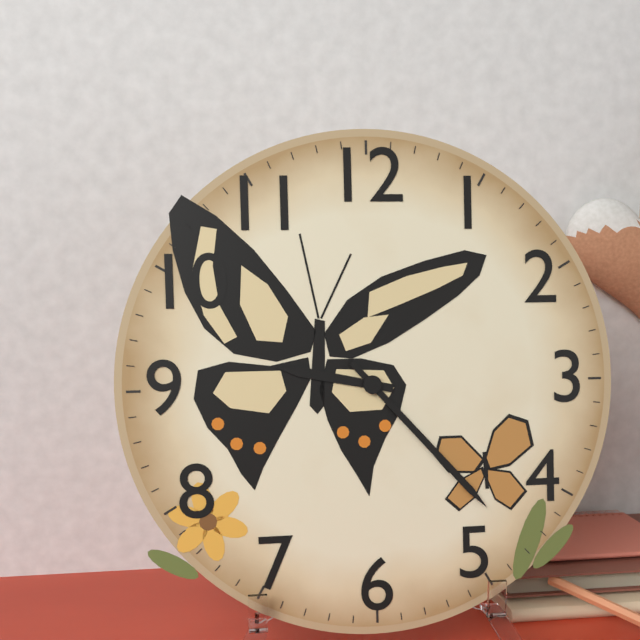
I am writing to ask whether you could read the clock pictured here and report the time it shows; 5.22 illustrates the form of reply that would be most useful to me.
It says 9.23
